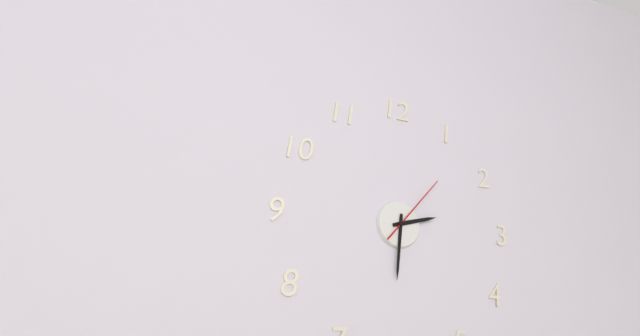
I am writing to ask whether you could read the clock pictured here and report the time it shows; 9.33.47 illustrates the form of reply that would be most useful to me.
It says 2.31.07
